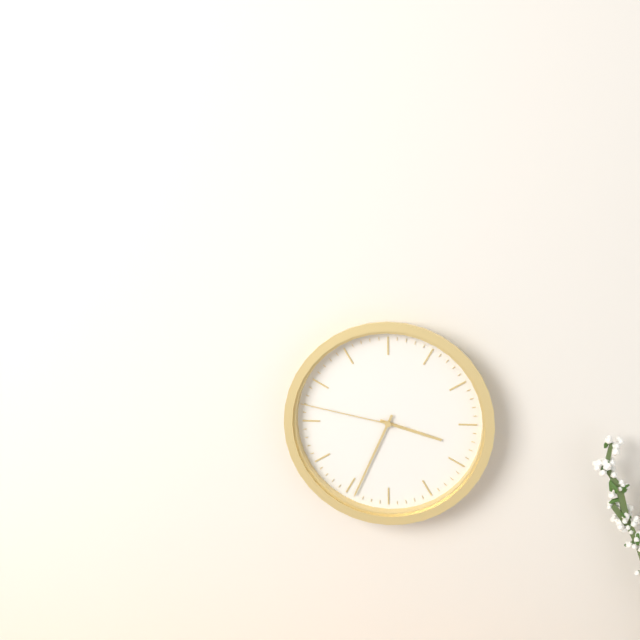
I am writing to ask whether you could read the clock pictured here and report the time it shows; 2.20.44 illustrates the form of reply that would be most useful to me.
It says 3.34.47
